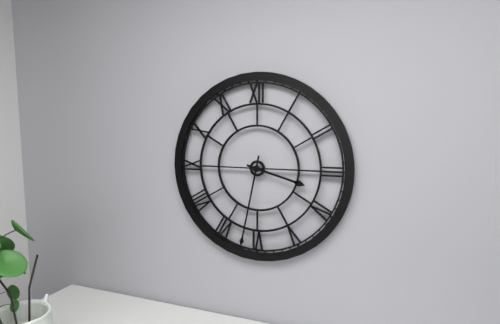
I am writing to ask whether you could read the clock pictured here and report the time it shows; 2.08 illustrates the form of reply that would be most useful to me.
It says 3.32
